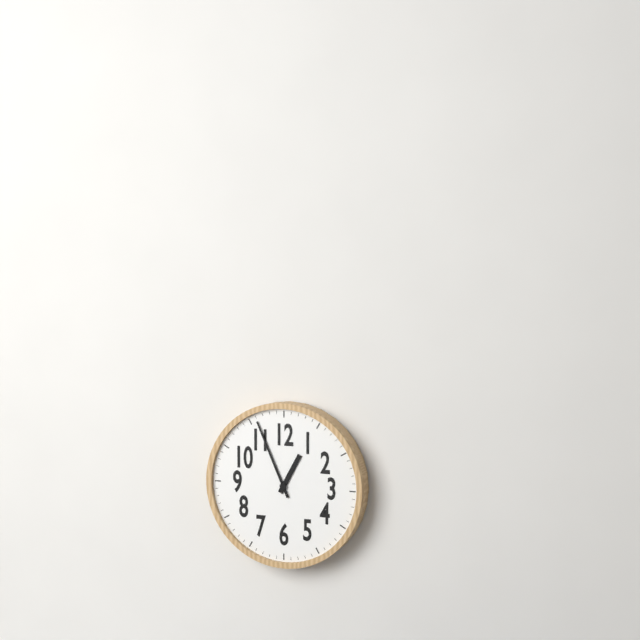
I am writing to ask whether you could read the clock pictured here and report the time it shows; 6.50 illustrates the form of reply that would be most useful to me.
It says 12.56
